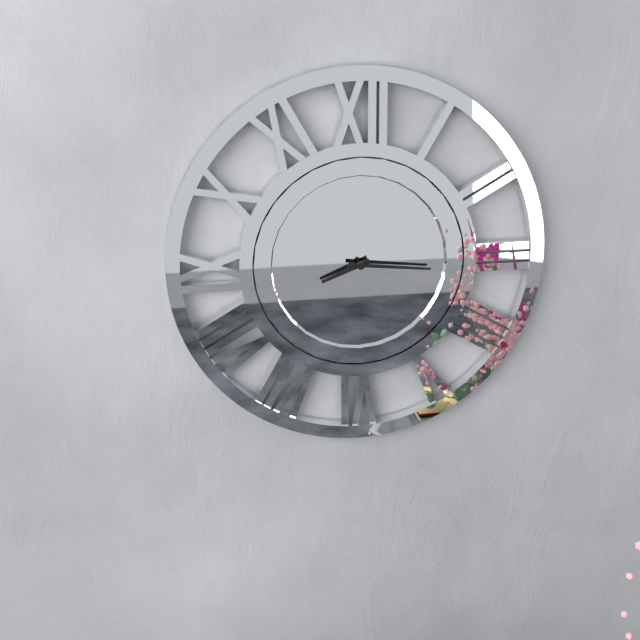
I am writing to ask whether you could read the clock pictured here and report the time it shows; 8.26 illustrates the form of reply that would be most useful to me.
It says 8.16
